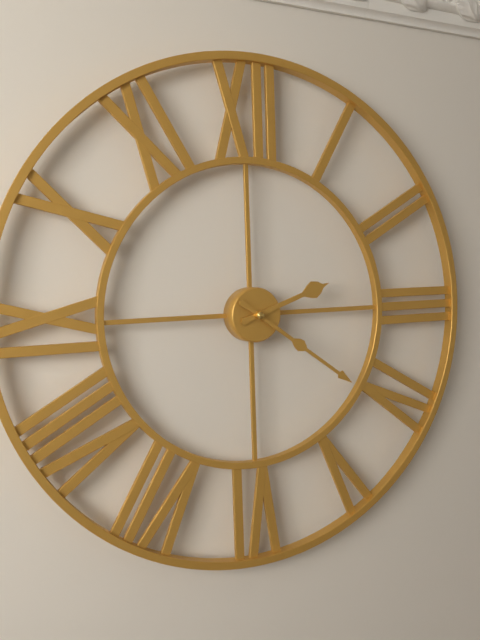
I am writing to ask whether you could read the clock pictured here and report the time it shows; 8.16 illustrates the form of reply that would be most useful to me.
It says 2.21
